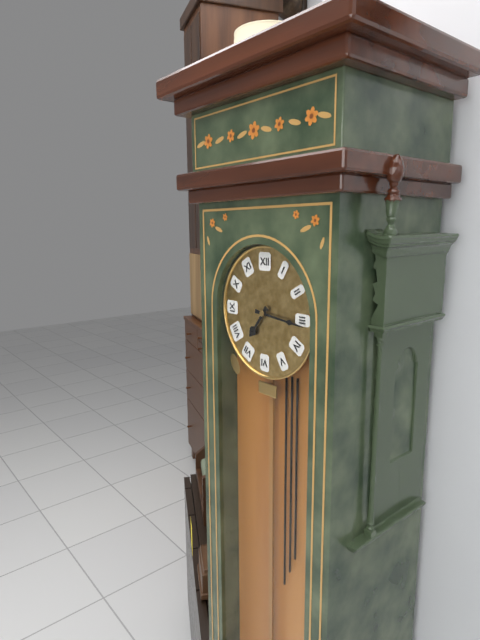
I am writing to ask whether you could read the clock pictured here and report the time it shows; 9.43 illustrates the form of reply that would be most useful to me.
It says 7.16
